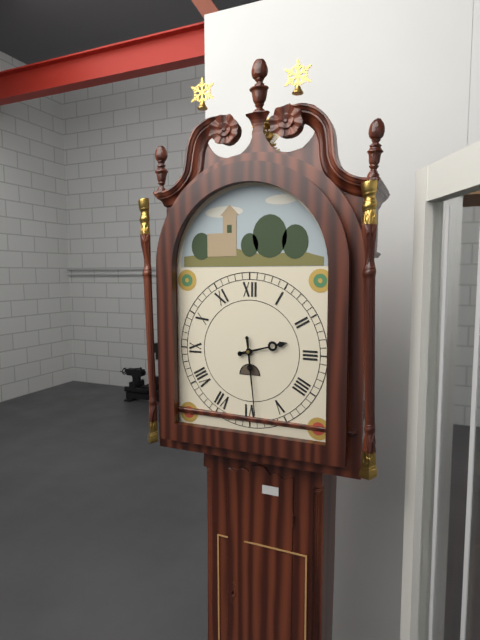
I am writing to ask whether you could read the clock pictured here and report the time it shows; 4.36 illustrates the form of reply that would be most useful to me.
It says 2.29
